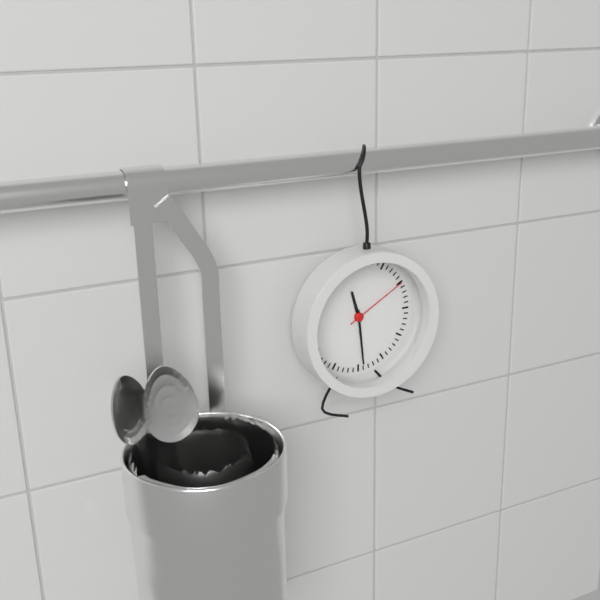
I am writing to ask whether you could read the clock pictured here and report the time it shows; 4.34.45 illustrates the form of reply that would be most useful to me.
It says 11.29.10
